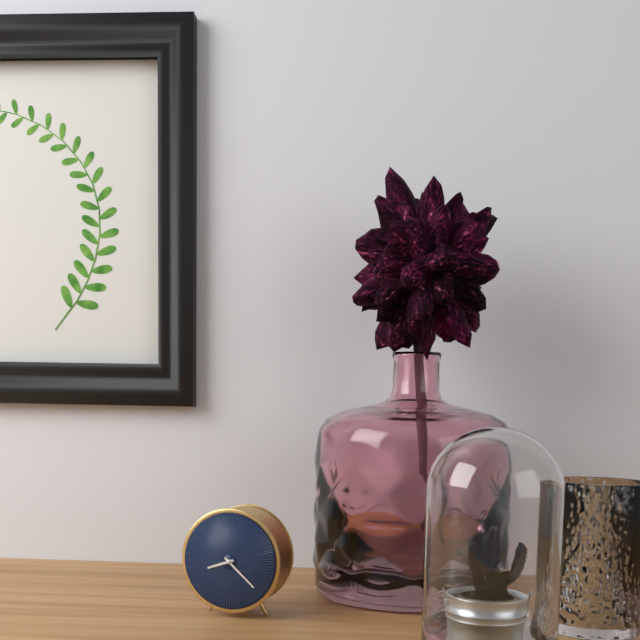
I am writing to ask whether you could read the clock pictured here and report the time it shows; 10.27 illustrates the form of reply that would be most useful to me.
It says 8.22
